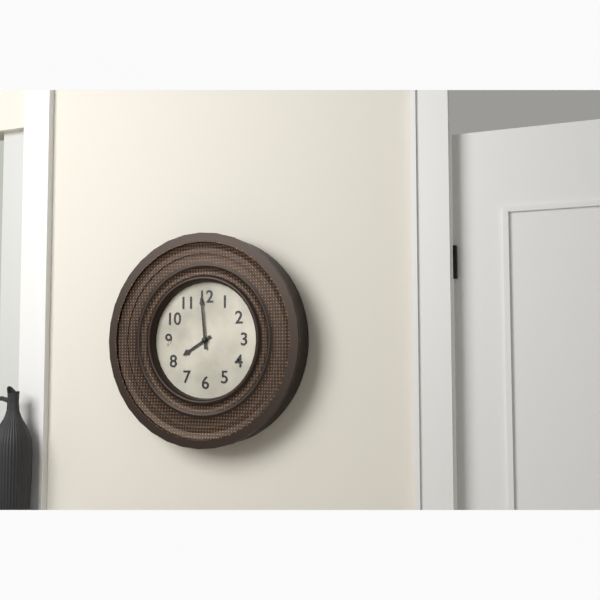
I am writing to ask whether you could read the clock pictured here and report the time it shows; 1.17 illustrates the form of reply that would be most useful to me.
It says 7.59
